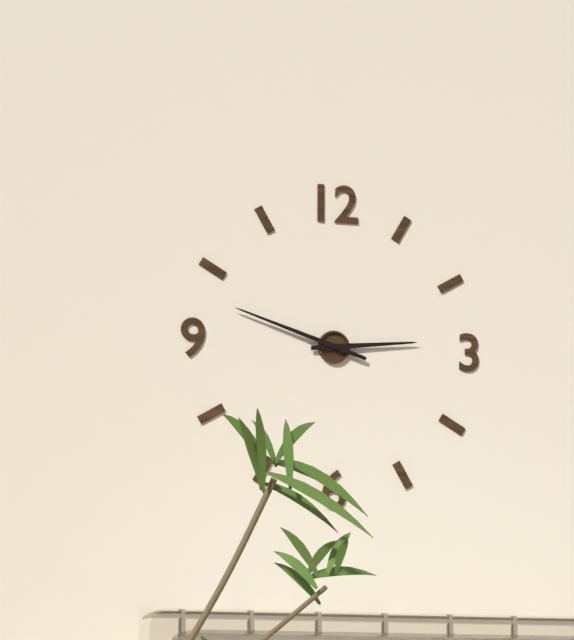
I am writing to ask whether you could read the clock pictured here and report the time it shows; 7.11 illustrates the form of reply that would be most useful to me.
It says 2.48
